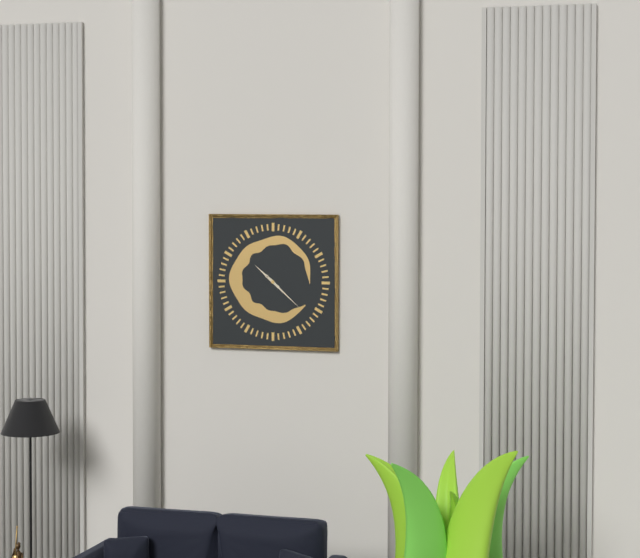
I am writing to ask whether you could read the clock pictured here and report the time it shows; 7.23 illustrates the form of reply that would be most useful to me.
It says 10.22
